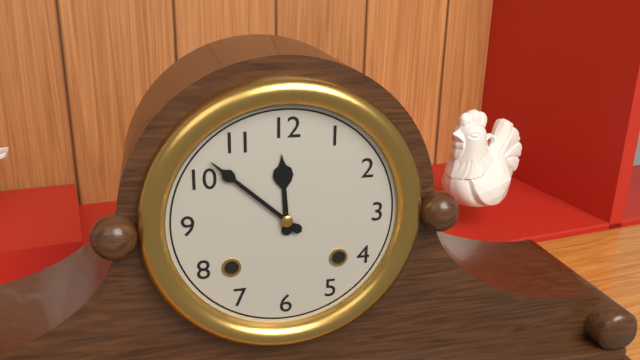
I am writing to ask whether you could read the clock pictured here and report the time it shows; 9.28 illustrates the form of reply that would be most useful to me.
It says 11.52
